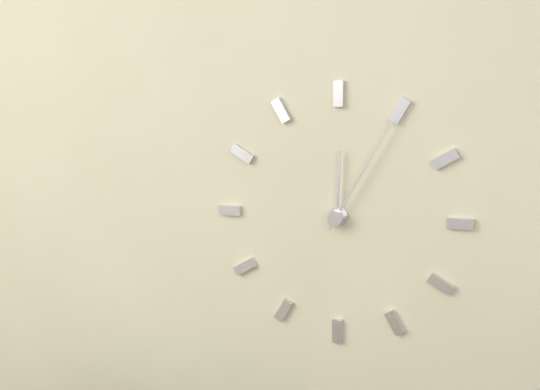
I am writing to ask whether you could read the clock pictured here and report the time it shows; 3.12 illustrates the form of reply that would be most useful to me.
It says 12.05
